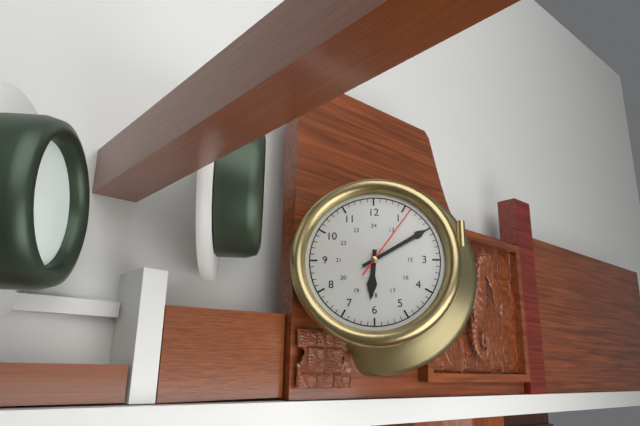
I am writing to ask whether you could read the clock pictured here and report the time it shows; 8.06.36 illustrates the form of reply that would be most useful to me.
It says 6.10.06
